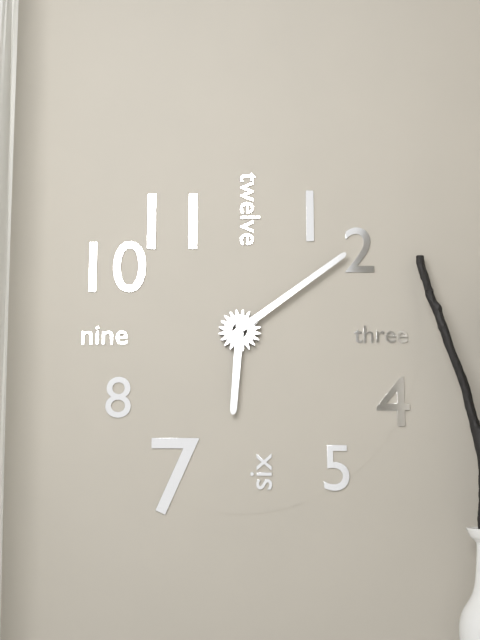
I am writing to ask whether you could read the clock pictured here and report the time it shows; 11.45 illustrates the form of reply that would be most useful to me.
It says 6.09
